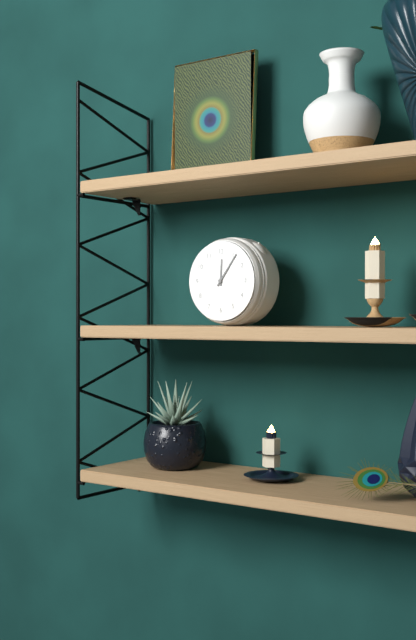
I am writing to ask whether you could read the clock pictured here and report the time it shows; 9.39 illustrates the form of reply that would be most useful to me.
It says 12.06
